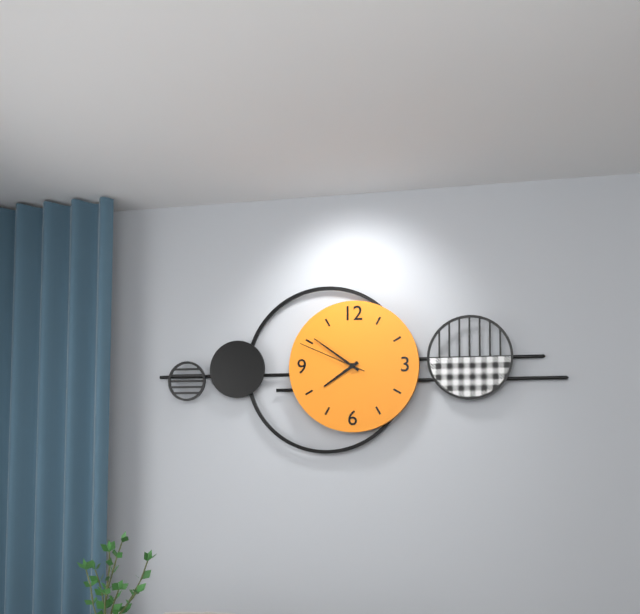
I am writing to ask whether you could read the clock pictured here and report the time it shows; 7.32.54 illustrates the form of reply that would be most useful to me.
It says 7.51.49
